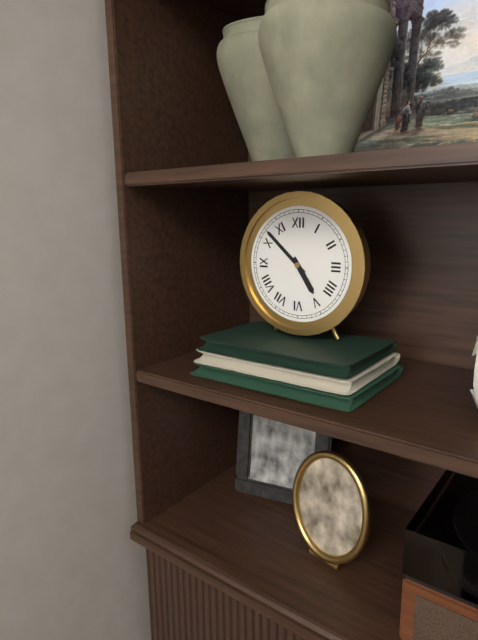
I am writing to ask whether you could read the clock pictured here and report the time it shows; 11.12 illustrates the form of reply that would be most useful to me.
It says 4.52
